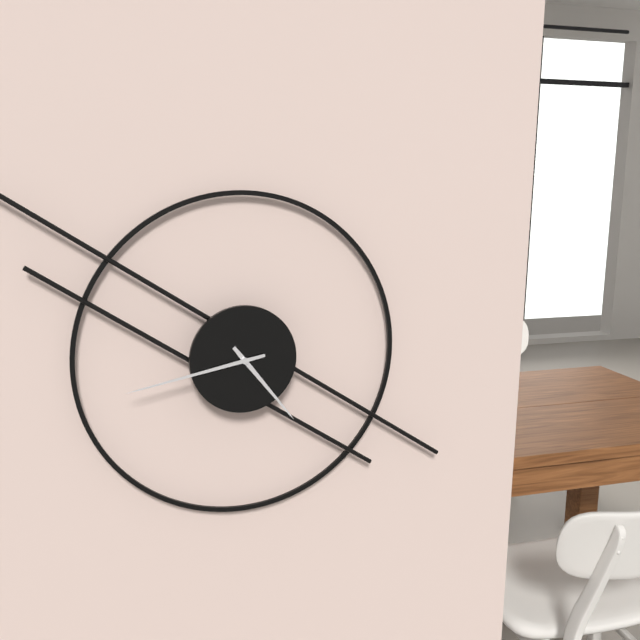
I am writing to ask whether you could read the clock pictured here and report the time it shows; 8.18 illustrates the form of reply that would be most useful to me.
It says 4.43
